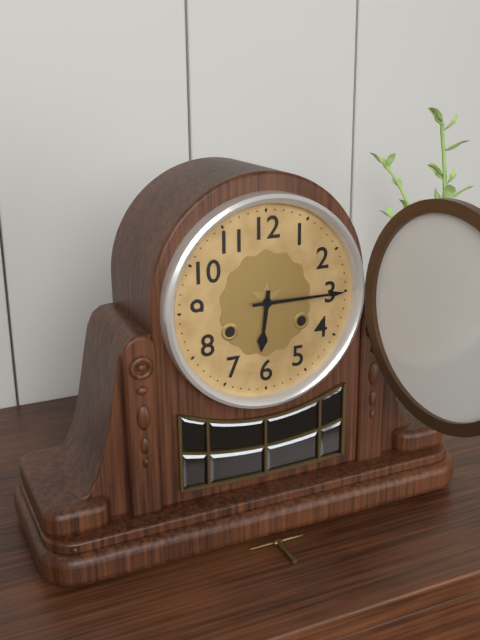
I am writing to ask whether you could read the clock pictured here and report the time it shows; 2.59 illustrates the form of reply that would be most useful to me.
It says 6.15
